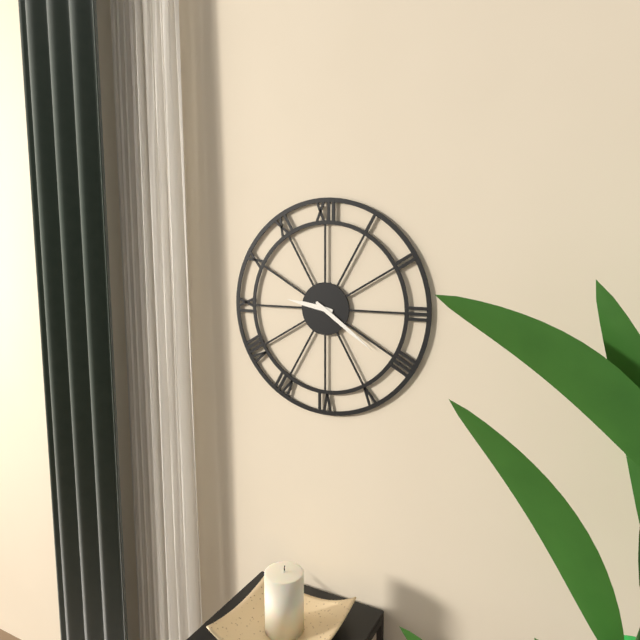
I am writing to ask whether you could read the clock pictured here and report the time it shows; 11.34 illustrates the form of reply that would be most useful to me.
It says 9.21
